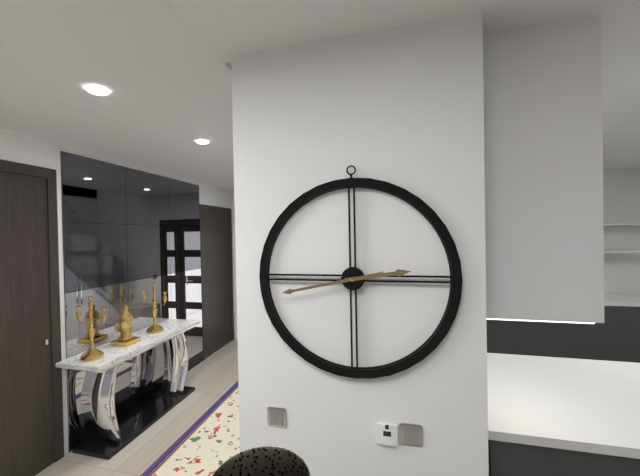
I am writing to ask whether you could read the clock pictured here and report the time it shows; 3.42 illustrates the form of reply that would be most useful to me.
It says 2.43
